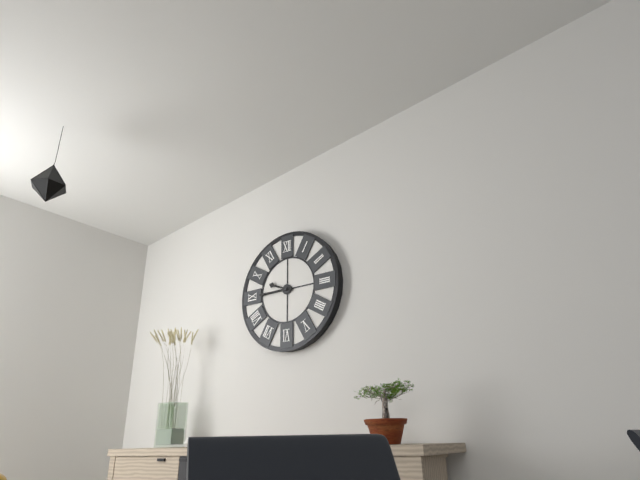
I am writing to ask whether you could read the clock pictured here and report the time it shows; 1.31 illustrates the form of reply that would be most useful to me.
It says 9.45
